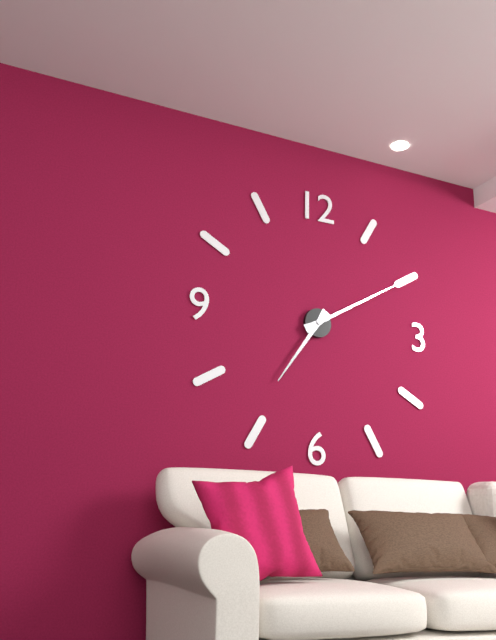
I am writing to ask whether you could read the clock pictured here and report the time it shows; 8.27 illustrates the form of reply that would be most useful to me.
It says 7.10
